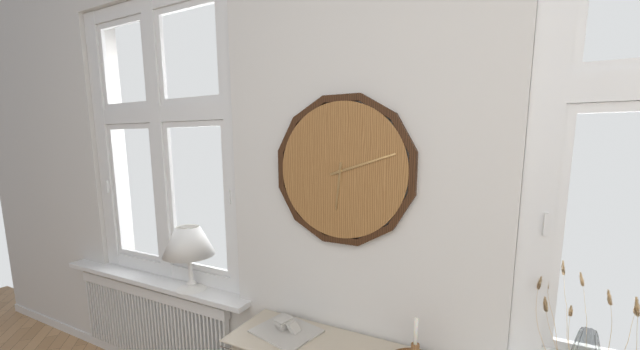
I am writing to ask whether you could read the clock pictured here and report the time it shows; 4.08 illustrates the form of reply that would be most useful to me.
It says 6.12
